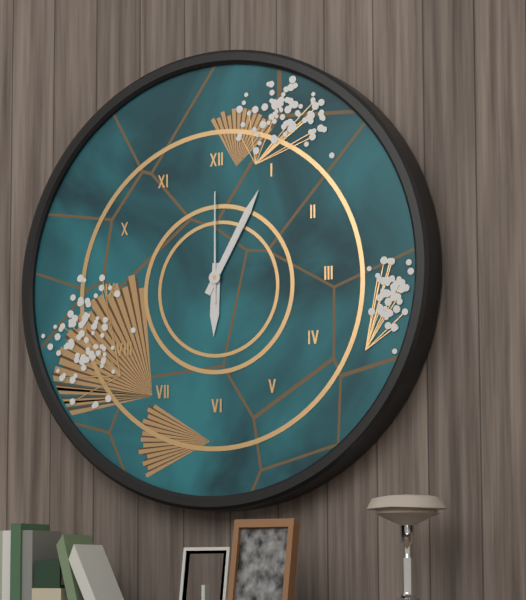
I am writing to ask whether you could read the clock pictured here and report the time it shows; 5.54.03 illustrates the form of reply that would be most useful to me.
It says 6.05.00
